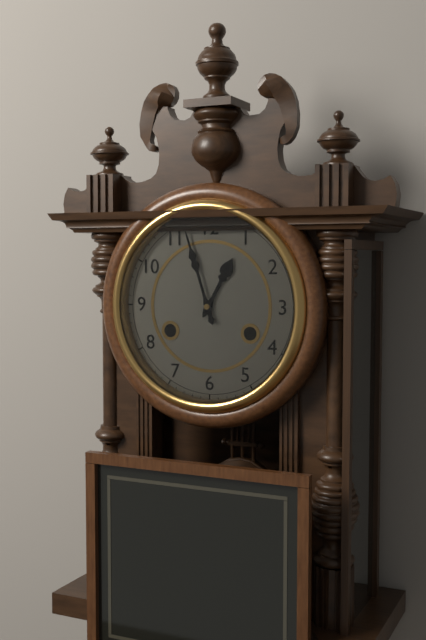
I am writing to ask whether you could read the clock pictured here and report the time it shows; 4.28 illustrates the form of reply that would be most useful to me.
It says 12.57
